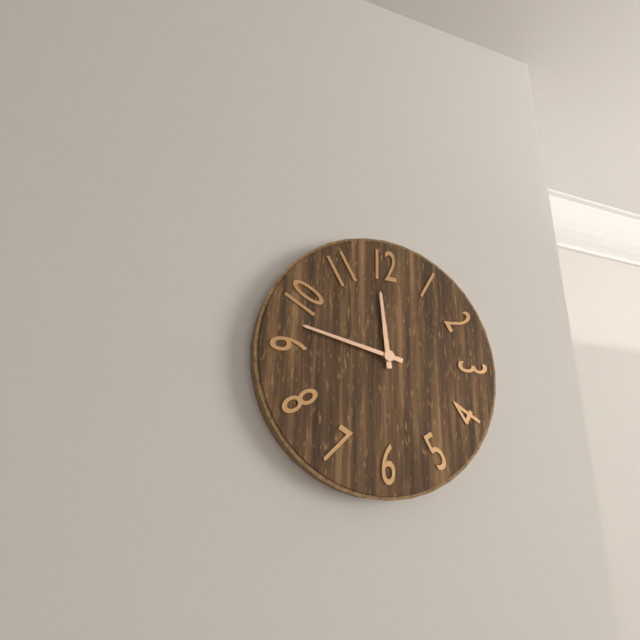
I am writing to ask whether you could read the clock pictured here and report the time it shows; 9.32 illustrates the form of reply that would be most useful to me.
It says 11.47
